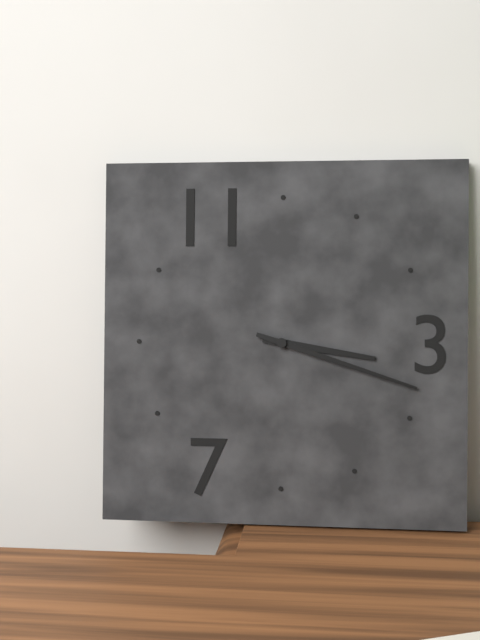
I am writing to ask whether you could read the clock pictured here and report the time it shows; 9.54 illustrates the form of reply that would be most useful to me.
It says 3.18
